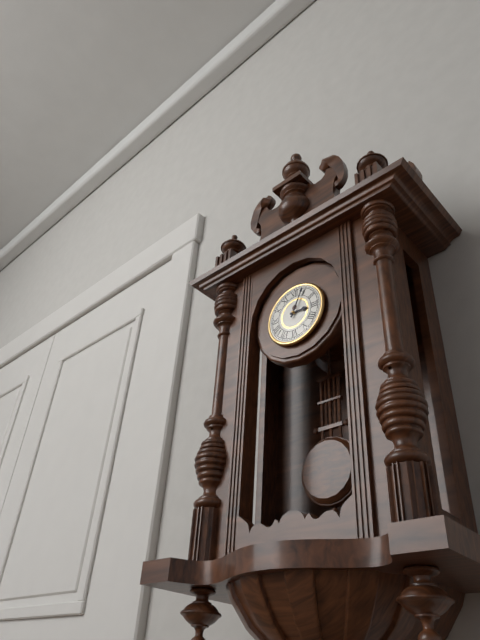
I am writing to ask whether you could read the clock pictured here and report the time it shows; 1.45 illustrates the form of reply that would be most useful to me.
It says 3.04
